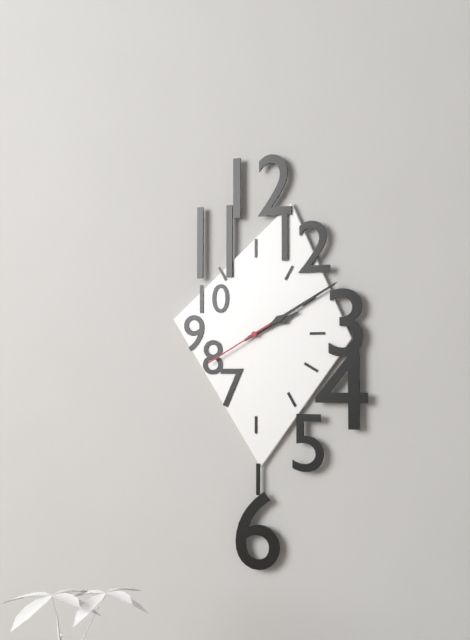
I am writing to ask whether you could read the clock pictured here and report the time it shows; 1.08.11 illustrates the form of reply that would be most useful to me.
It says 2.10.40
